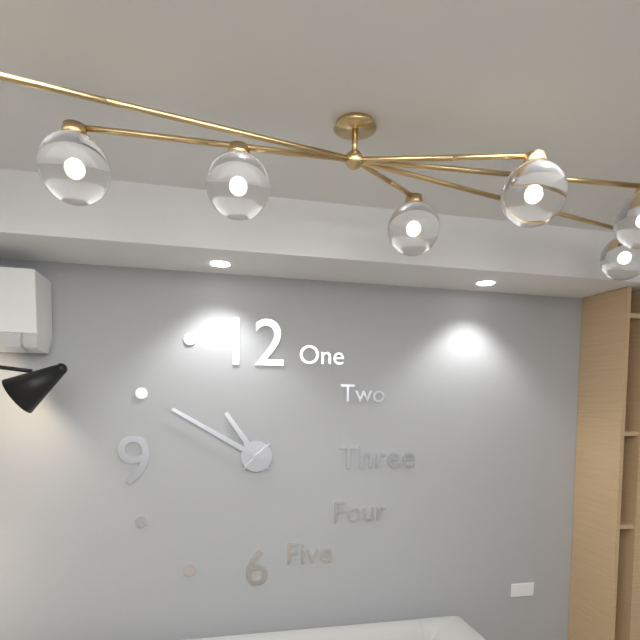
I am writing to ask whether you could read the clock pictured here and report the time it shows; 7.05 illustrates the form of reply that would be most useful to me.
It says 10.50
